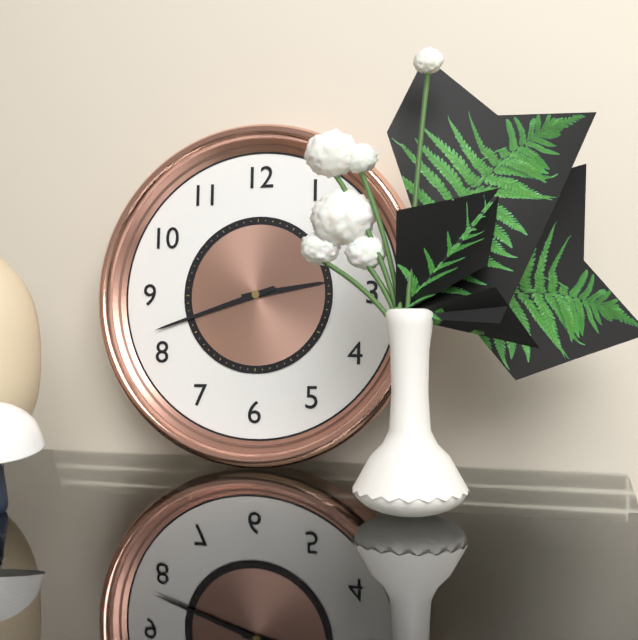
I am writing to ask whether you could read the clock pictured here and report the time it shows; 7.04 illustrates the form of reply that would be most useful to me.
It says 2.42
